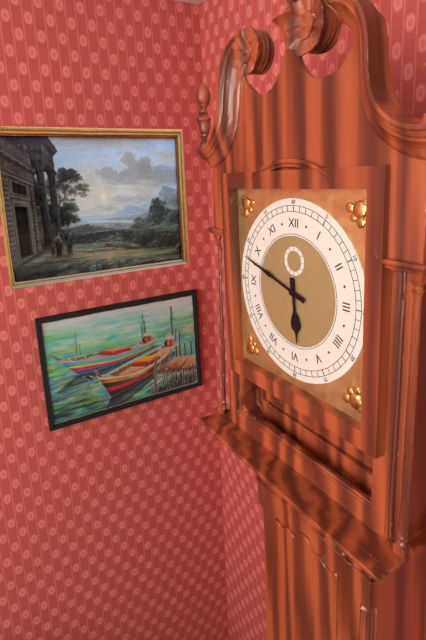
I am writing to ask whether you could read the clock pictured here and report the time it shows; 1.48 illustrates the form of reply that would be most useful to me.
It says 5.48
